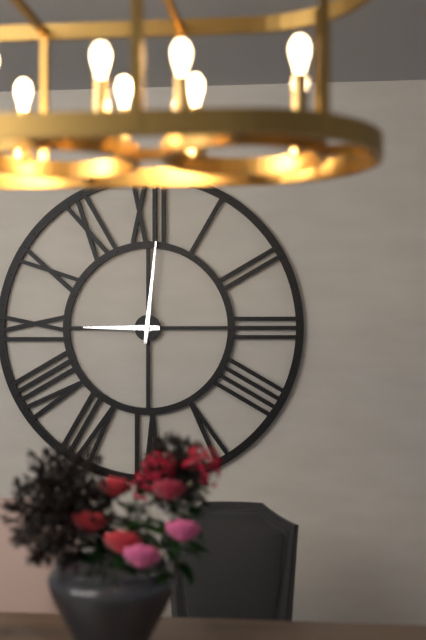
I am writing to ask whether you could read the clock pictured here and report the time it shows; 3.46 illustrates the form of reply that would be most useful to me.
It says 9.01
